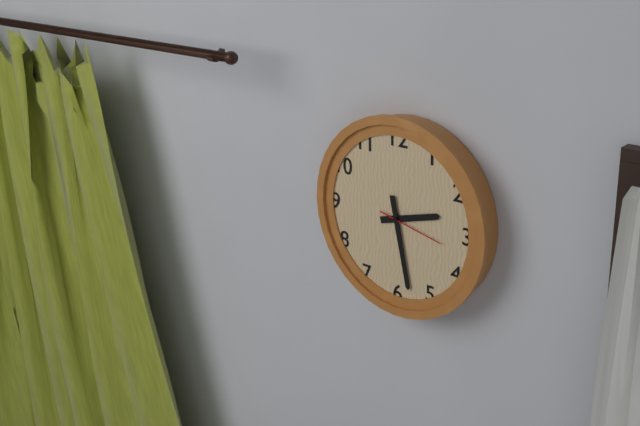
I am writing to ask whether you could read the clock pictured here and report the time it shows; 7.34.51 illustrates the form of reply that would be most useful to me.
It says 2.28.17
